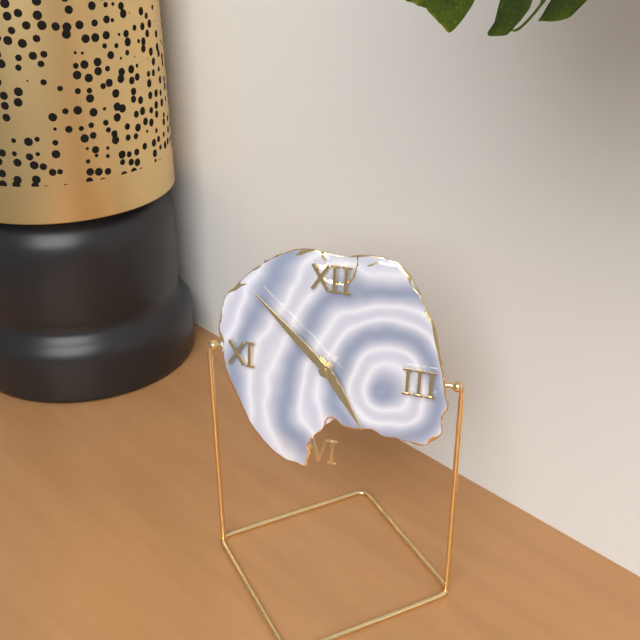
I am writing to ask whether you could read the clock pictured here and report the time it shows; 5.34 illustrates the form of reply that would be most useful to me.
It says 4.52
